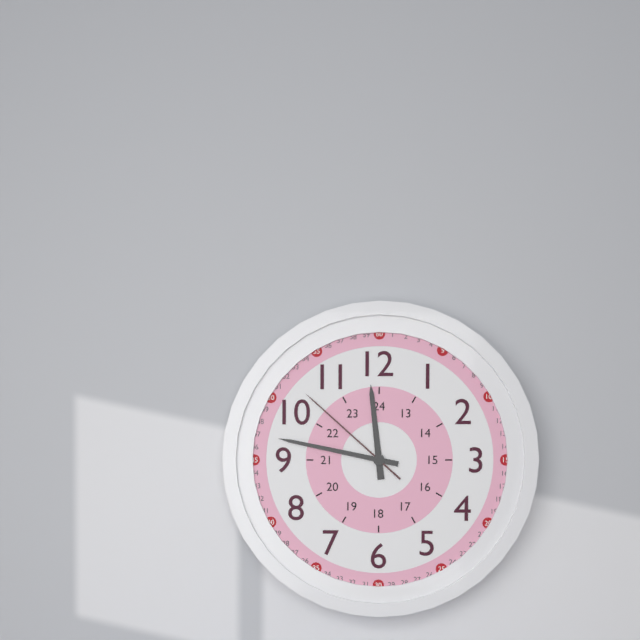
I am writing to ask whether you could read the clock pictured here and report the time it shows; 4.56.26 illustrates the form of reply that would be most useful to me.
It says 11.47.52
